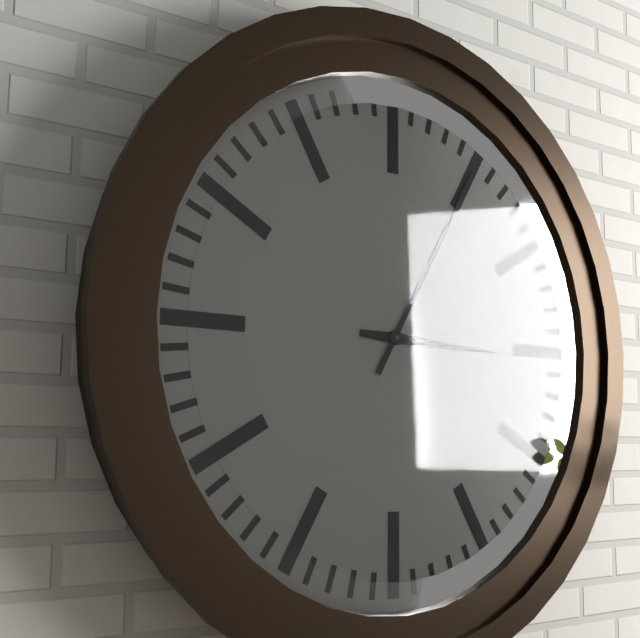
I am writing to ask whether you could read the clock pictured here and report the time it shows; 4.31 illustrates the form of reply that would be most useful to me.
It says 3.05
